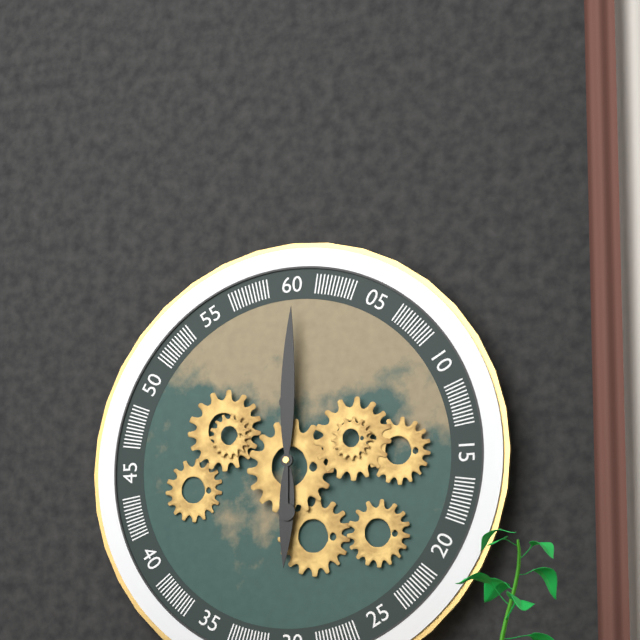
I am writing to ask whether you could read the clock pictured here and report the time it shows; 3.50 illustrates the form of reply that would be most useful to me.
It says 6.00
